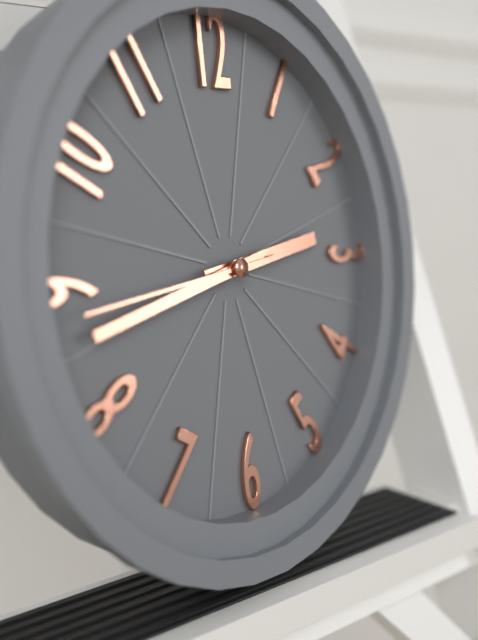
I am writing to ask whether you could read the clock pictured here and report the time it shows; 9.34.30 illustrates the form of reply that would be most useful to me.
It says 2.43.44
